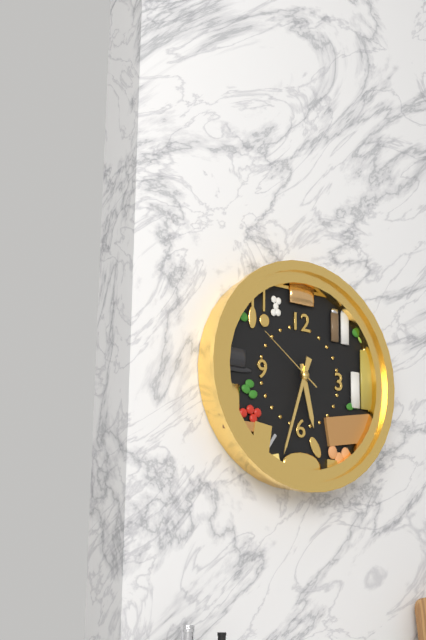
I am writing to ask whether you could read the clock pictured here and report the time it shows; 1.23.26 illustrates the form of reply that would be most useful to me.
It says 5.33.51
